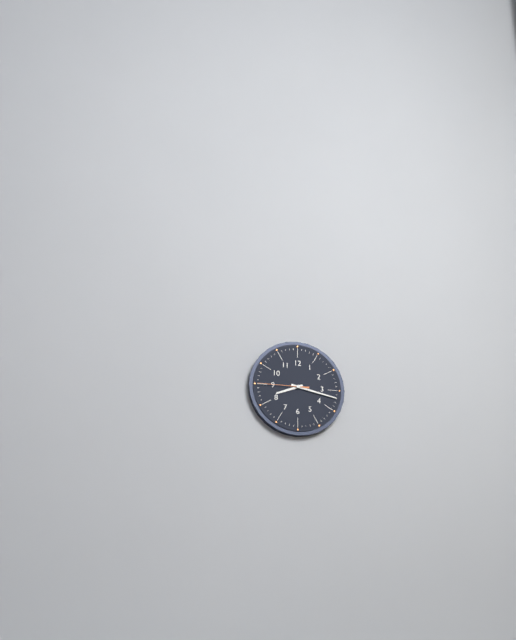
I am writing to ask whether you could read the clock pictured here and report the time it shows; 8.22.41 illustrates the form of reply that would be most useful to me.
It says 8.17.45
